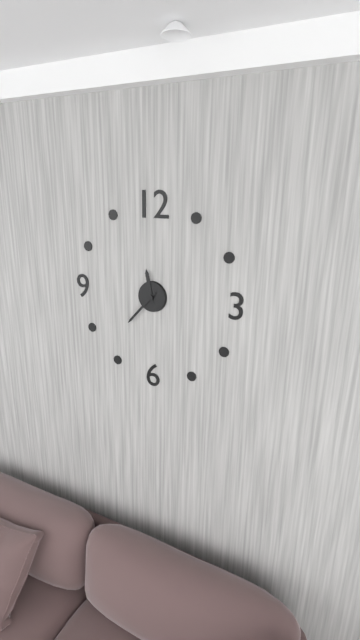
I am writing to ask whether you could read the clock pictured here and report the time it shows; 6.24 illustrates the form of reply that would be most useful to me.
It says 11.37
